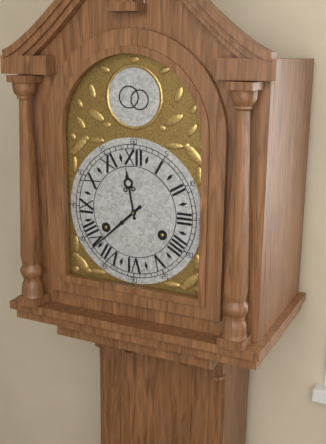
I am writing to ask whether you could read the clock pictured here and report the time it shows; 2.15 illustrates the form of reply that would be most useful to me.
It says 11.38
